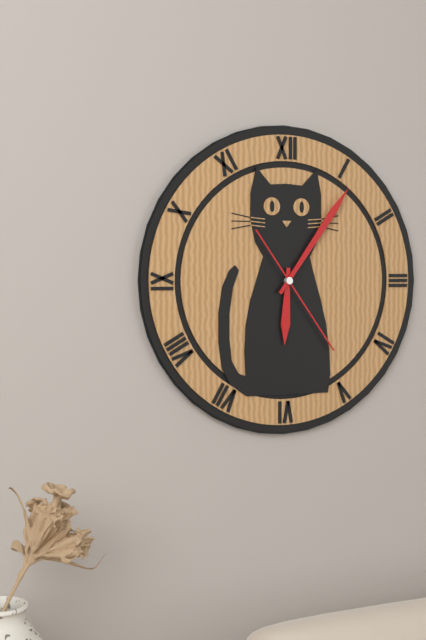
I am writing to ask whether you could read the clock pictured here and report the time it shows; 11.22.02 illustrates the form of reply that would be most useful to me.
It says 6.06.24
